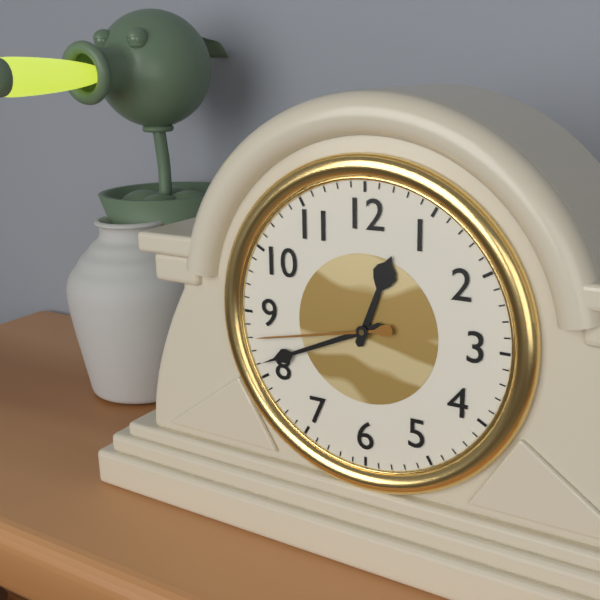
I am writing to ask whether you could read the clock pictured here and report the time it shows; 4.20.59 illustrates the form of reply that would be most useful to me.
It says 12.41.43
